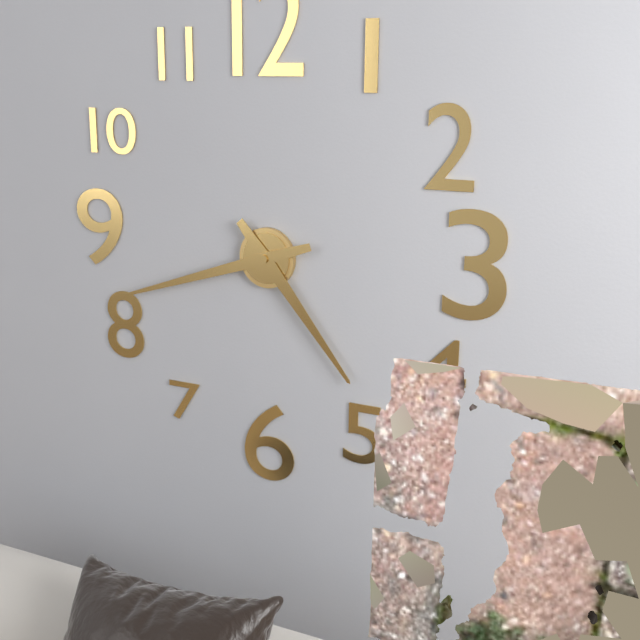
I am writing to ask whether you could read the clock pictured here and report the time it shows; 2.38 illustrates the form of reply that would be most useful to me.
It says 4.42
